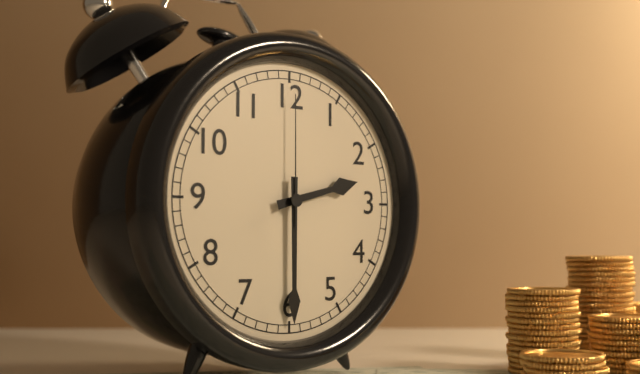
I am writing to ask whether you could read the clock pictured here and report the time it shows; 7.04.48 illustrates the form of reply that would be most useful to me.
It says 2.30.00
